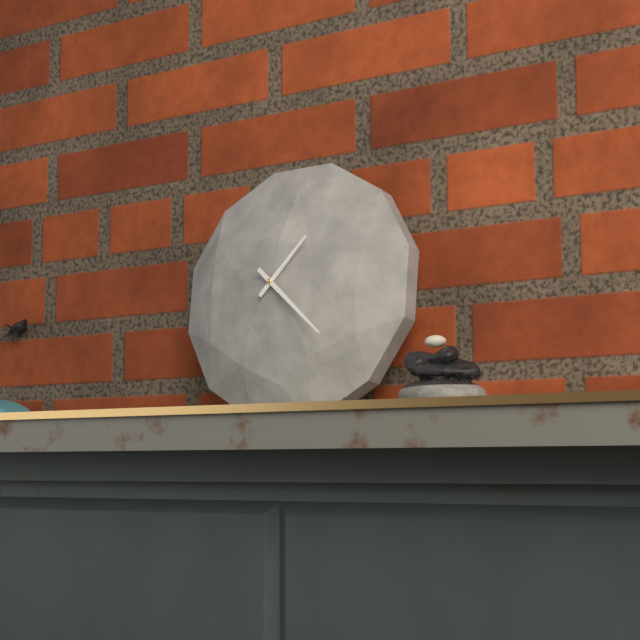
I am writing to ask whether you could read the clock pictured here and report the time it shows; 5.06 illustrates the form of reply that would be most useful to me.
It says 1.22
